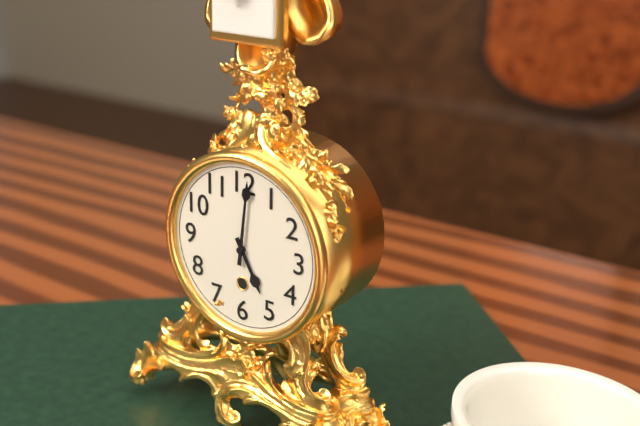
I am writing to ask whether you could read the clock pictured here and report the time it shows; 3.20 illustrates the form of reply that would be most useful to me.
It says 5.01
